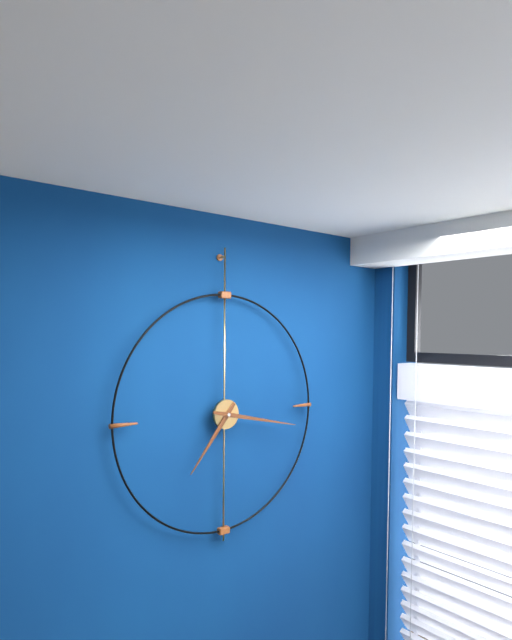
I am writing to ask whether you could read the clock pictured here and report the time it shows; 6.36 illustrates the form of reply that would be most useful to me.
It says 7.17
